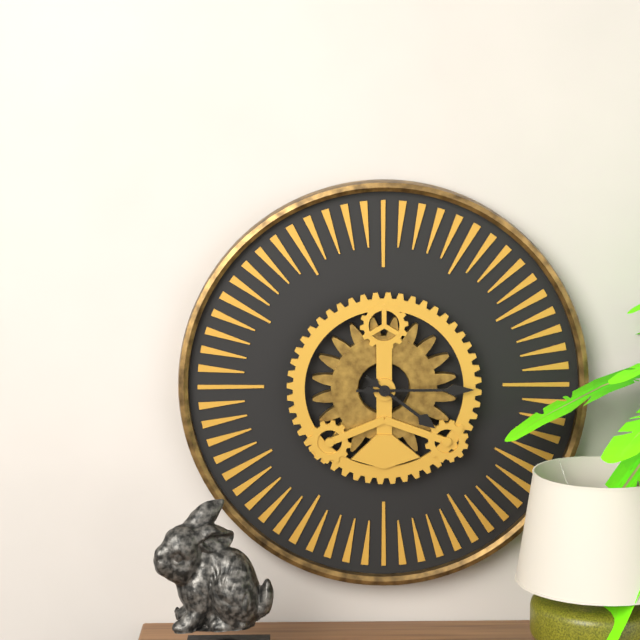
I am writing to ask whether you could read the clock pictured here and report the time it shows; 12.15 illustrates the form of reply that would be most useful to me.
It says 4.15
